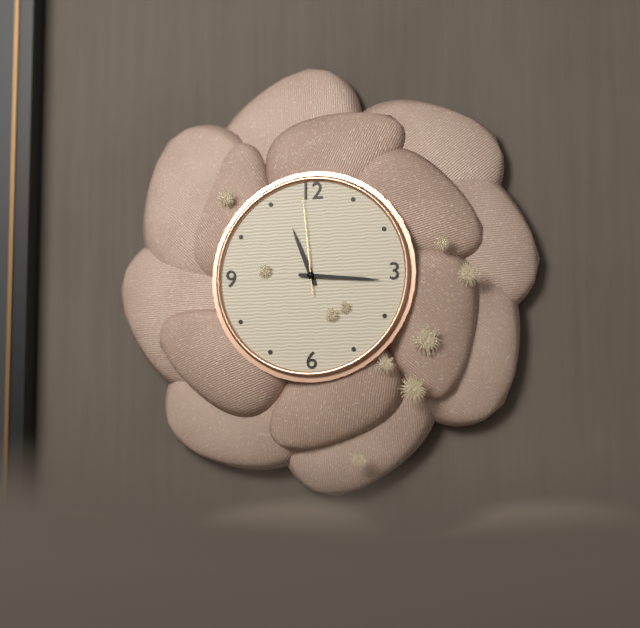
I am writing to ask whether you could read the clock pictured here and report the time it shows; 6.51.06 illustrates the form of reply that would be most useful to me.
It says 11.16.59
